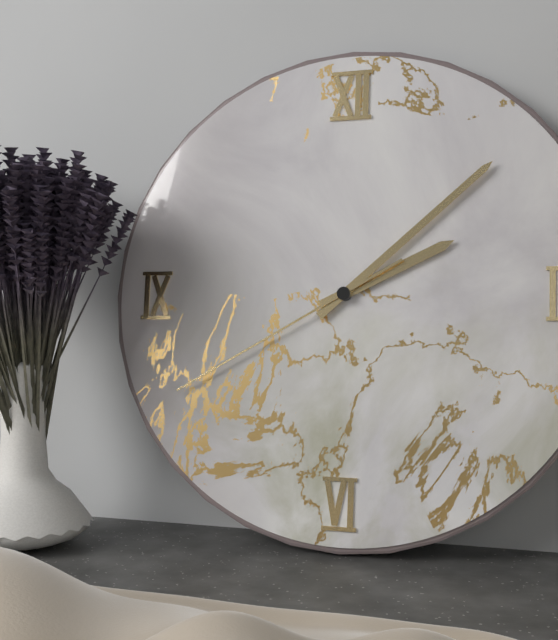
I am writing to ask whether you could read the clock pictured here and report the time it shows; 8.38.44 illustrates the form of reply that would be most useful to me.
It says 2.08.40
